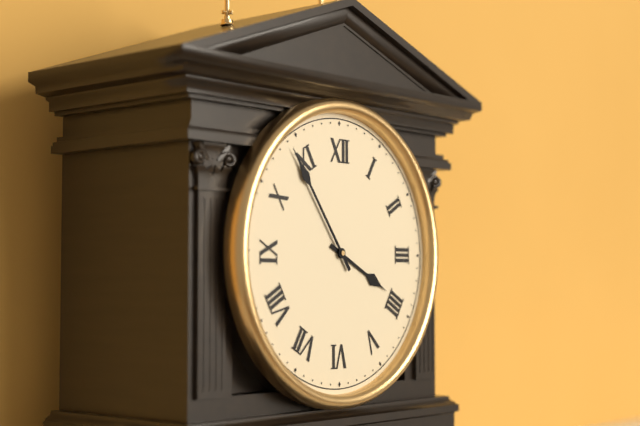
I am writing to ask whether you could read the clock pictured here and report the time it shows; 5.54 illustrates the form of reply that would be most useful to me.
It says 3.54
